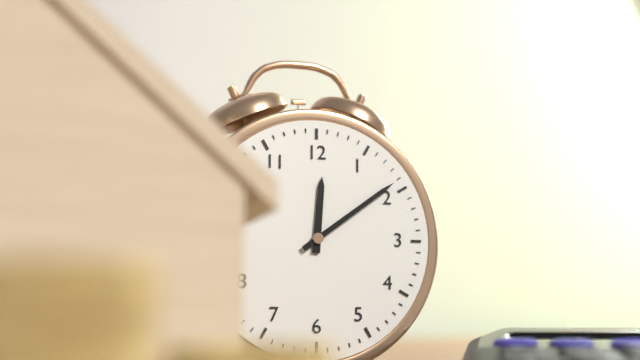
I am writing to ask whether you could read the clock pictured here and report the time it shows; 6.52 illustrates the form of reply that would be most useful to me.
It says 12.09
